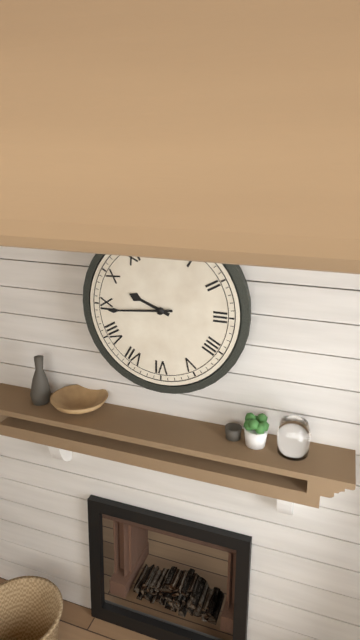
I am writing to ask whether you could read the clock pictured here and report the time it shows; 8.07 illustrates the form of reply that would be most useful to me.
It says 9.44
